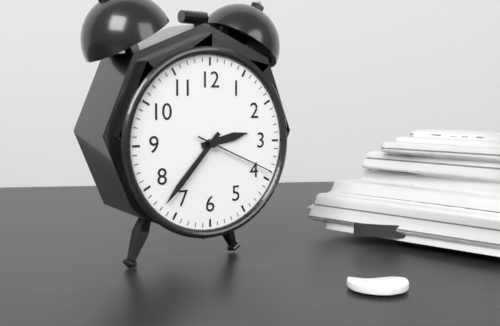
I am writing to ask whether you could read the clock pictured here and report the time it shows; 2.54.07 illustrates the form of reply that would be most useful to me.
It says 2.37.19
